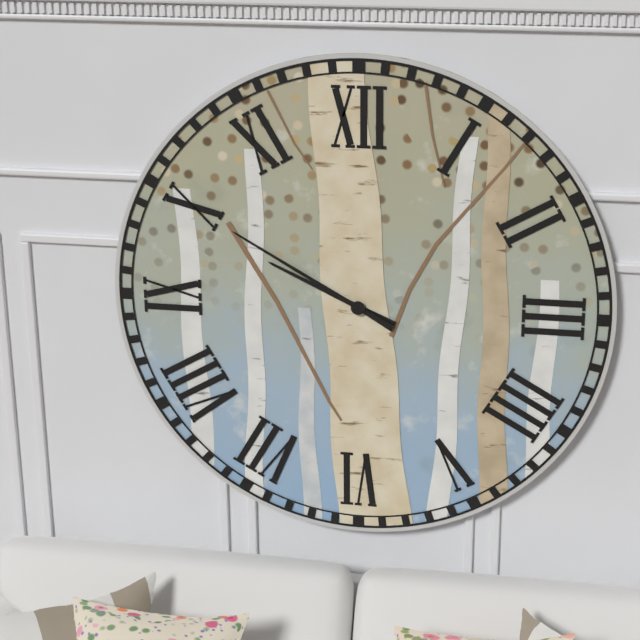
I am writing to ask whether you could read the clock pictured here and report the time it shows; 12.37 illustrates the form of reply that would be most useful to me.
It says 9.50
